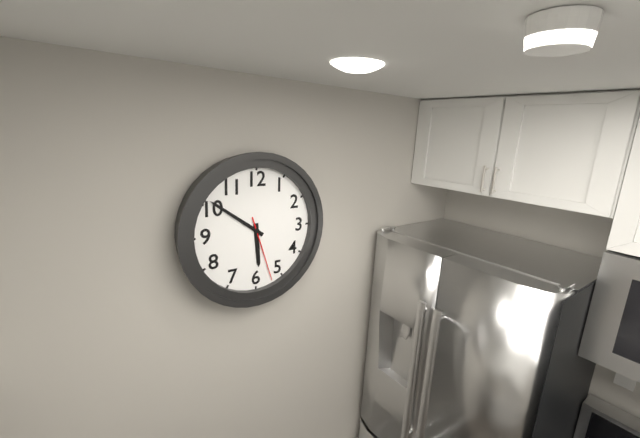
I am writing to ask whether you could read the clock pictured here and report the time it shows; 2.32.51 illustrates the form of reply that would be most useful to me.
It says 5.51.27
